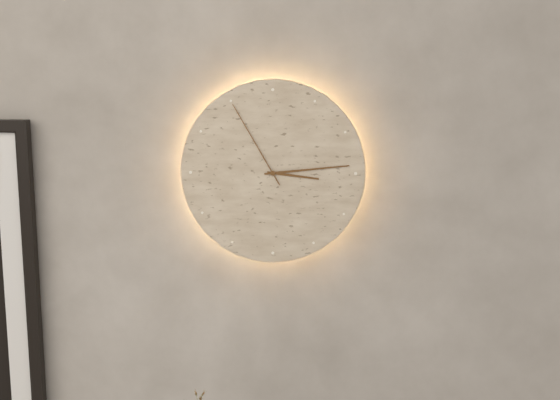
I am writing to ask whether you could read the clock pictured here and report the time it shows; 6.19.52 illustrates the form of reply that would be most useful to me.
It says 3.14.55
